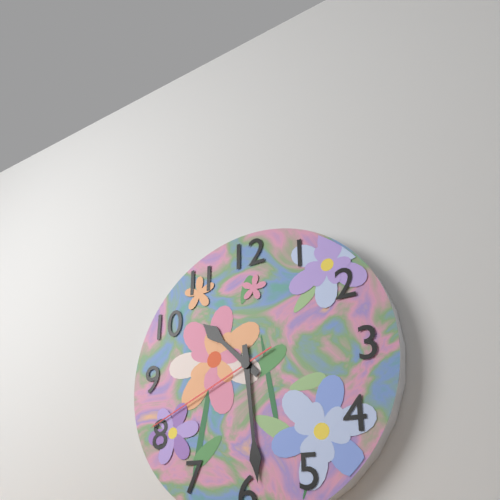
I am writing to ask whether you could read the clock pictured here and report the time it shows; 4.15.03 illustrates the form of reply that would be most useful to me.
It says 10.29.41
